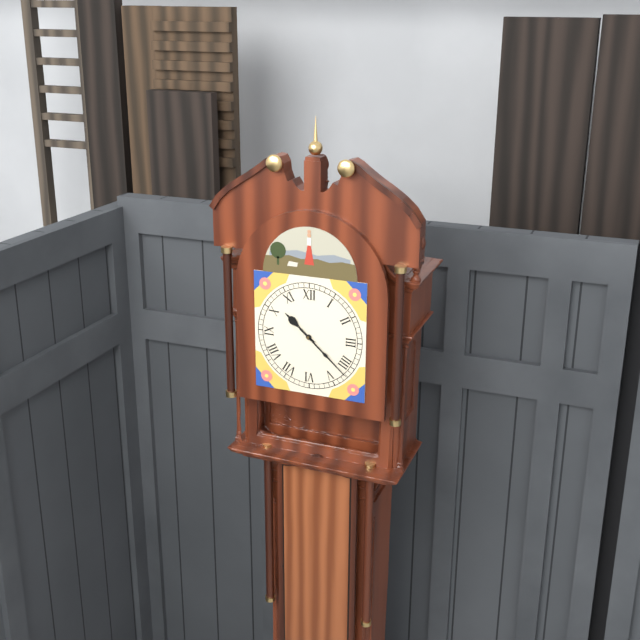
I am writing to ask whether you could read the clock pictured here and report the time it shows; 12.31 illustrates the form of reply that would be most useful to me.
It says 10.22
